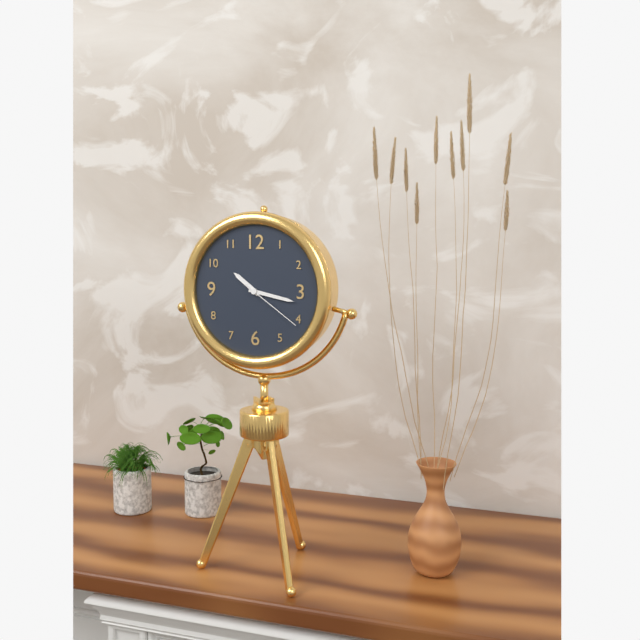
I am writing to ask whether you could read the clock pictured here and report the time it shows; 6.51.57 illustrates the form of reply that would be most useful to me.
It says 10.17.21
